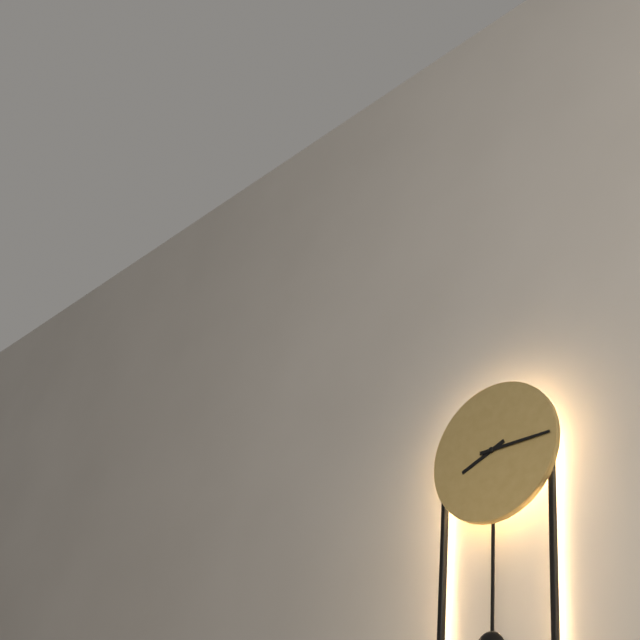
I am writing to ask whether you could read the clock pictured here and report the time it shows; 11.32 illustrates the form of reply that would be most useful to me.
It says 8.15
